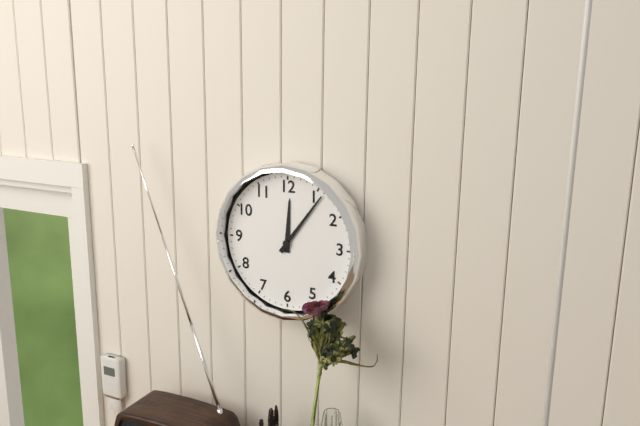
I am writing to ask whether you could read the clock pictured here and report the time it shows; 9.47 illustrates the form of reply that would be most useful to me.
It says 12.06
